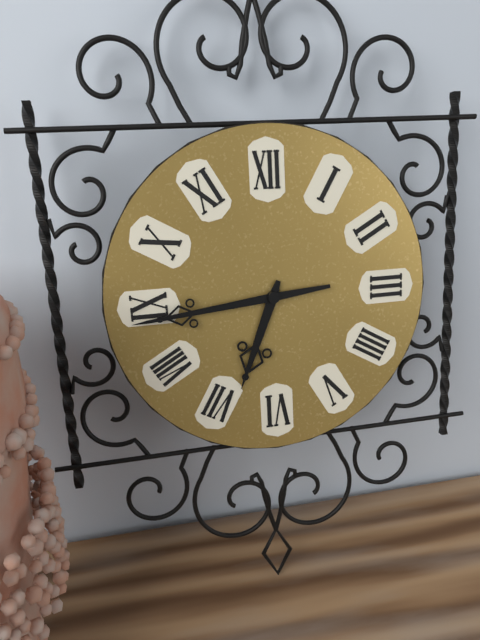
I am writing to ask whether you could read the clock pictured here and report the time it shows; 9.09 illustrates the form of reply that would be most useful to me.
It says 6.44
